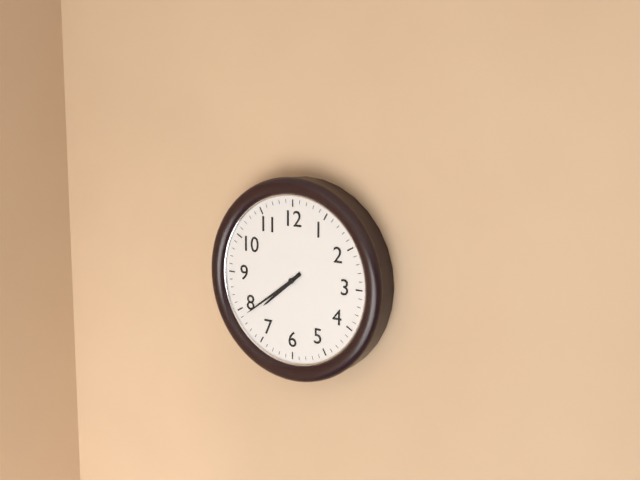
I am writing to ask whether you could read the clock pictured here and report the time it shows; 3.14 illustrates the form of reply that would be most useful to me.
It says 7.39
